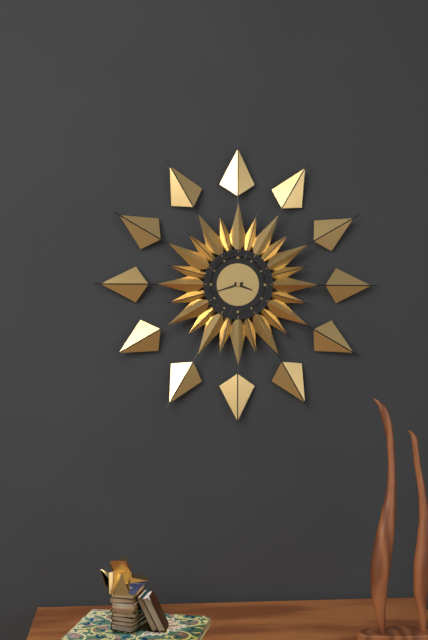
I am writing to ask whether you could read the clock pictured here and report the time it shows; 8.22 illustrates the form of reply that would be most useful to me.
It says 3.42
